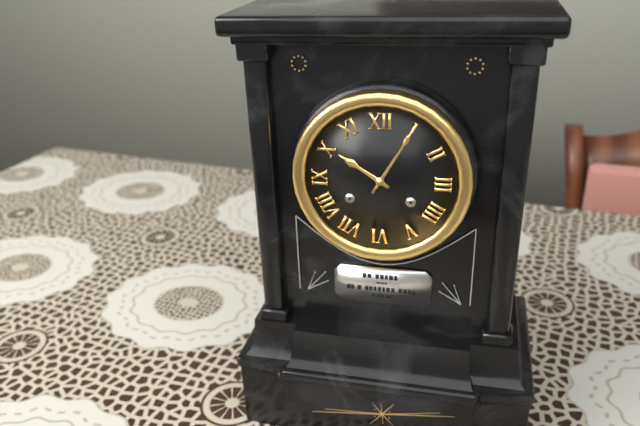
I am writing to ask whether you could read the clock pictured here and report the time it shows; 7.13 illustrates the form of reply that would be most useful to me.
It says 10.05
